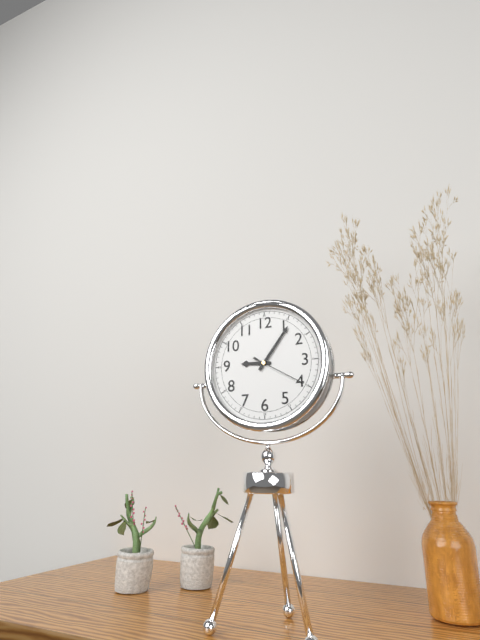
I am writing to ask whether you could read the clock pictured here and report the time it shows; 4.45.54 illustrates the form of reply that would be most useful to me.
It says 9.06.20
